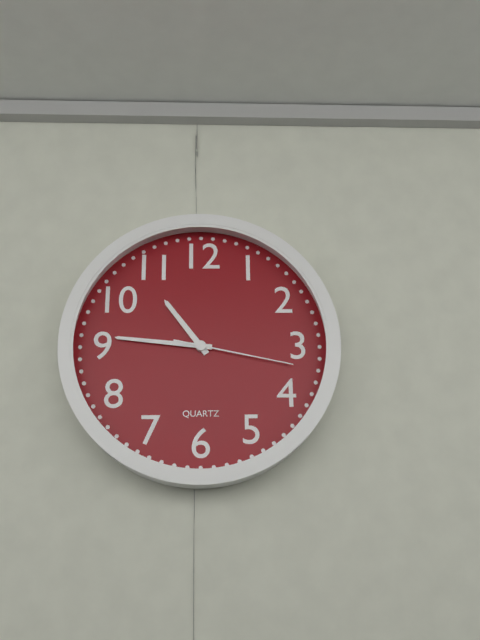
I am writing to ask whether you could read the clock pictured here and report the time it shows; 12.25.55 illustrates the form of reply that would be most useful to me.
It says 10.46.17
